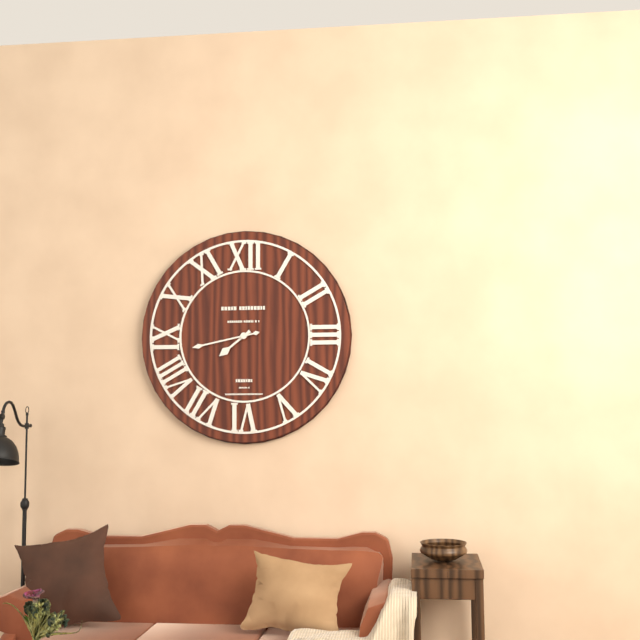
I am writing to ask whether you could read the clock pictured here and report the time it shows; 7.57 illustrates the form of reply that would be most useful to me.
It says 7.43
